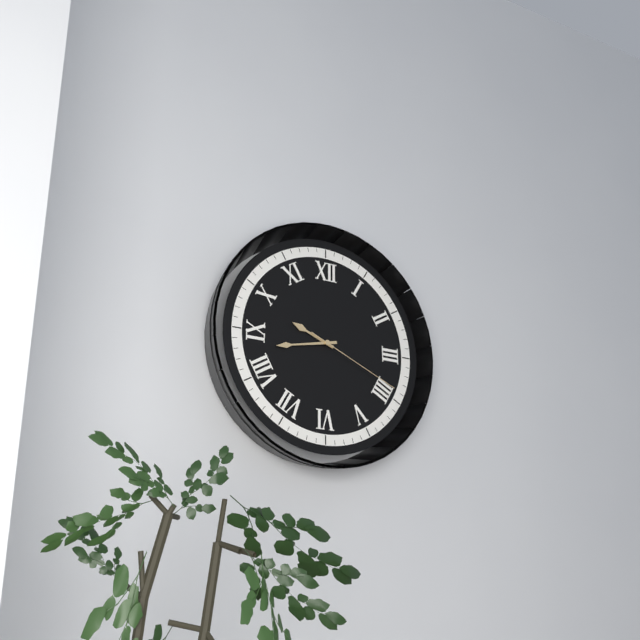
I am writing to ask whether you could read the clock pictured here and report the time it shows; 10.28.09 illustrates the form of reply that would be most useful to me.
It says 9.43.19
